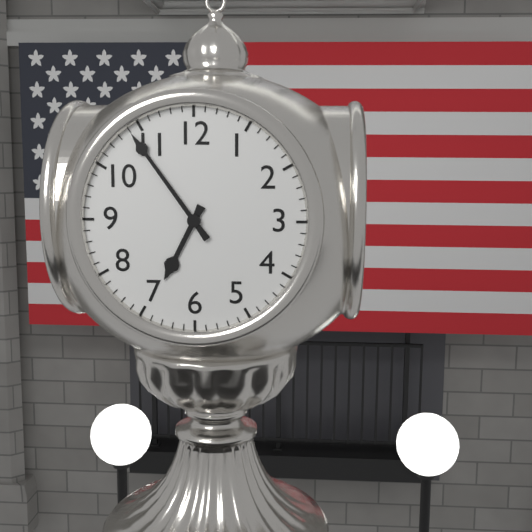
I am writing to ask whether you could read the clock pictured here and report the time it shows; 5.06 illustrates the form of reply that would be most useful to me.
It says 6.54
